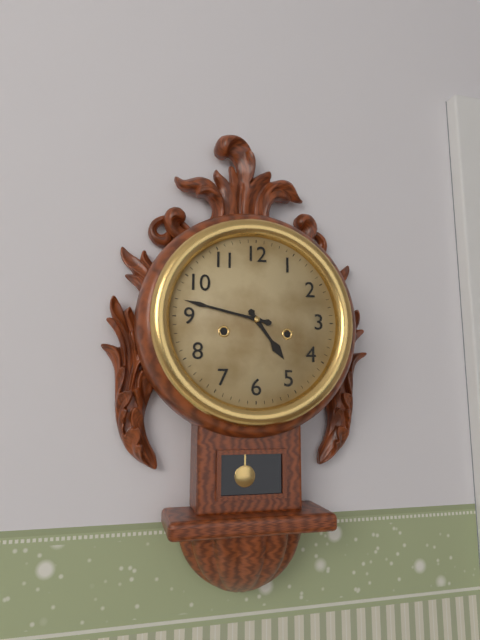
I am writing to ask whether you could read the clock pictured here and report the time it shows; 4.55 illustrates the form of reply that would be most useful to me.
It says 4.47
